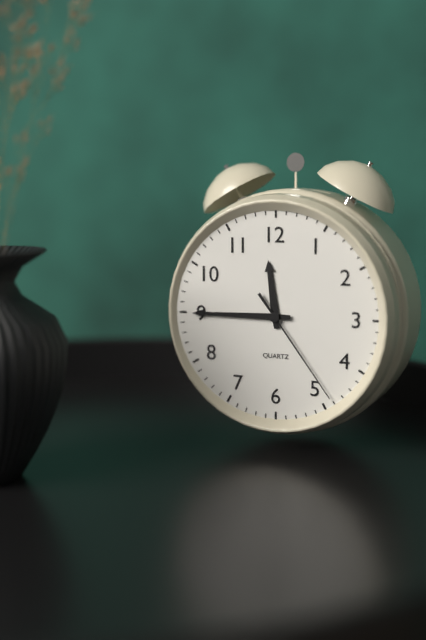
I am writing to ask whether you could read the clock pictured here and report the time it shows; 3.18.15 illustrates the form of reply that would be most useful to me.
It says 11.45.24
